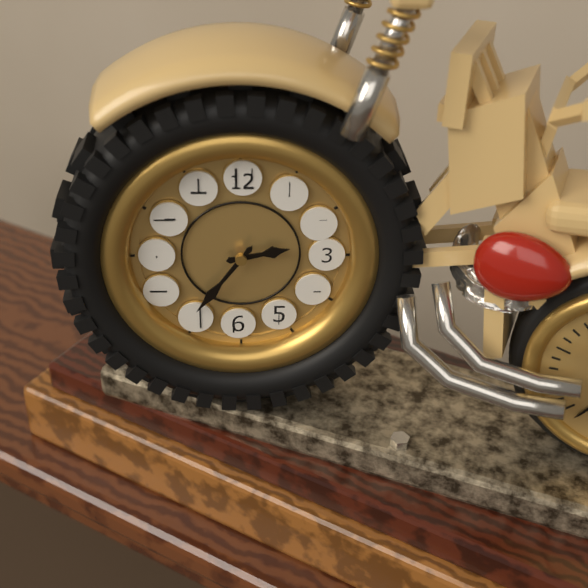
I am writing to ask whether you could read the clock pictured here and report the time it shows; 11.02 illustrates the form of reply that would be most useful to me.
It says 2.36
